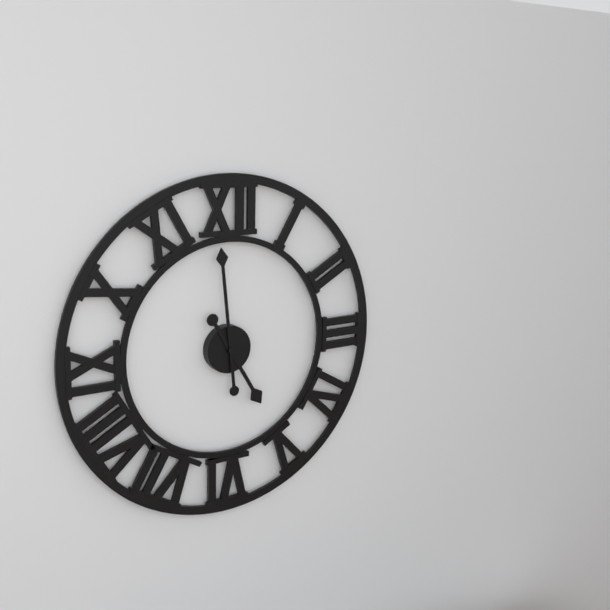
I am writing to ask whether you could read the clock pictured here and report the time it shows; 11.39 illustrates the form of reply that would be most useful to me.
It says 4.59
